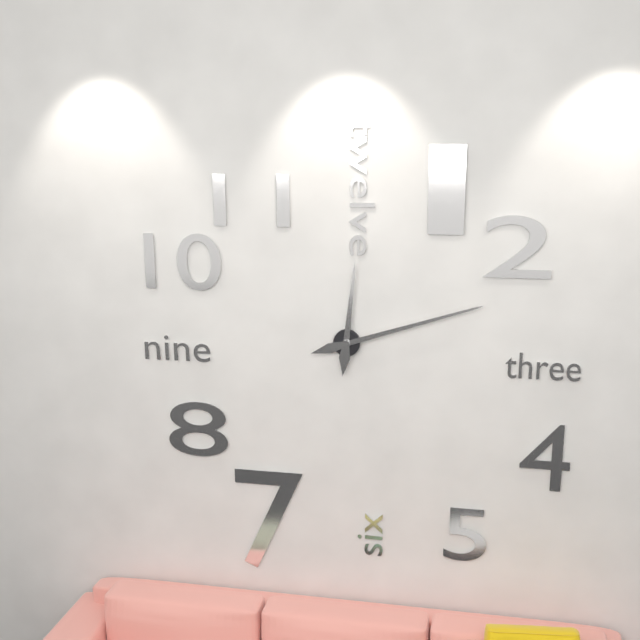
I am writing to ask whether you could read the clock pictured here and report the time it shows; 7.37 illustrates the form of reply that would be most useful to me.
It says 12.12
